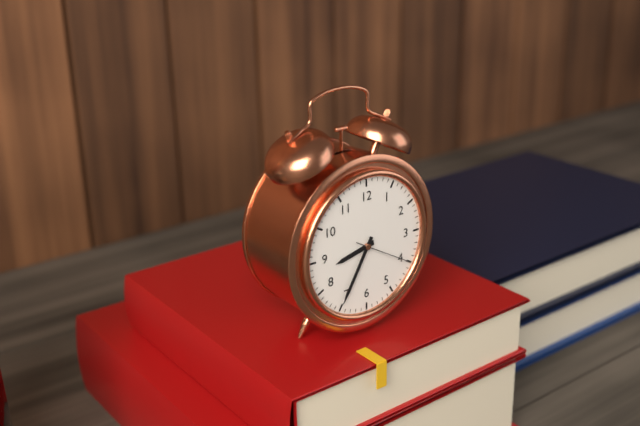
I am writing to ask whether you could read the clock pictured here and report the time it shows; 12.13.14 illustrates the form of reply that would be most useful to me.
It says 8.35.20
